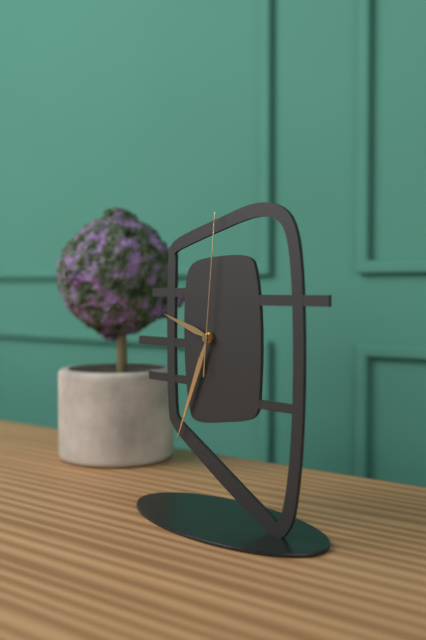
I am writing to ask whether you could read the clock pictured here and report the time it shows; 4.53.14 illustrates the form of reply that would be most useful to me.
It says 9.34.01
